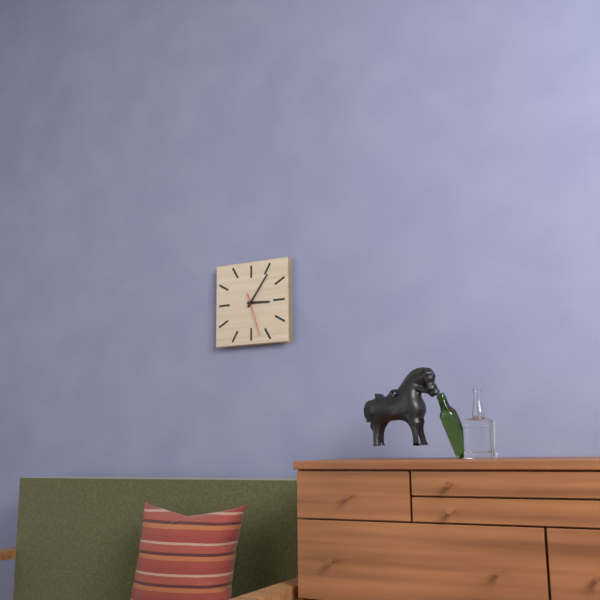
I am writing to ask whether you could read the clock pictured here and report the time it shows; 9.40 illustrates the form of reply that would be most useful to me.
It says 3.06
